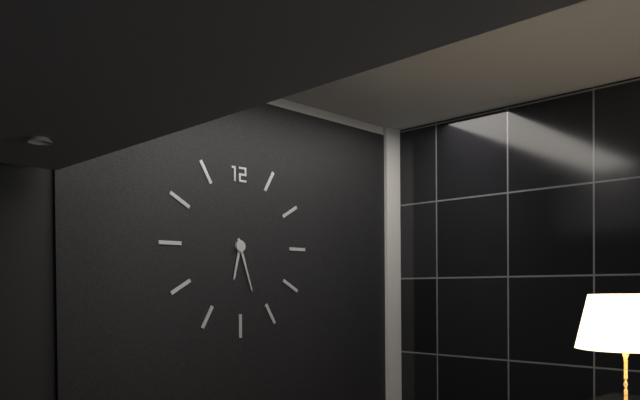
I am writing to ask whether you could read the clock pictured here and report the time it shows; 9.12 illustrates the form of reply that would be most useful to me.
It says 6.27
